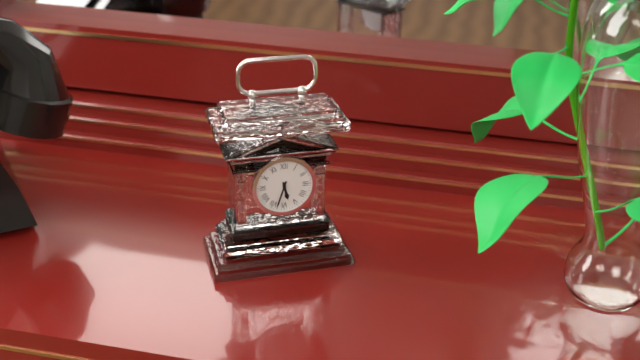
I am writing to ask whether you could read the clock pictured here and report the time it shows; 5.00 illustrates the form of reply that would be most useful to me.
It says 5.33
